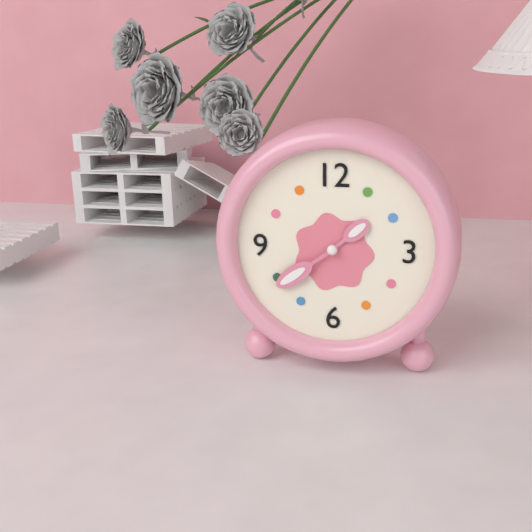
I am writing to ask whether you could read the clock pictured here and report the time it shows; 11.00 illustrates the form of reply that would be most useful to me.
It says 1.39
